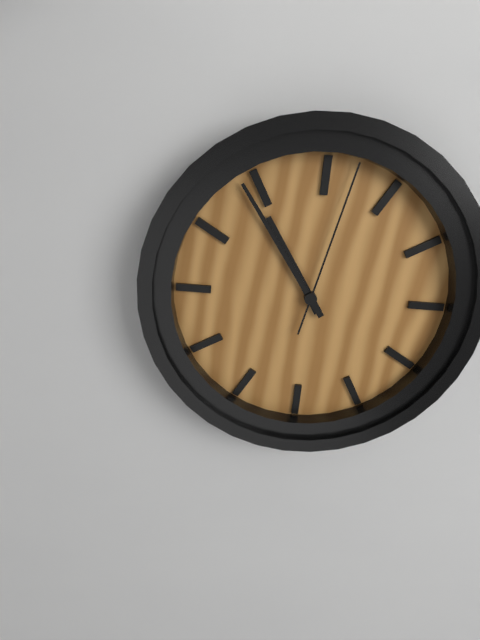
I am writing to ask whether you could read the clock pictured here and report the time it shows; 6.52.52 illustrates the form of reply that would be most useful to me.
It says 10.54.02
